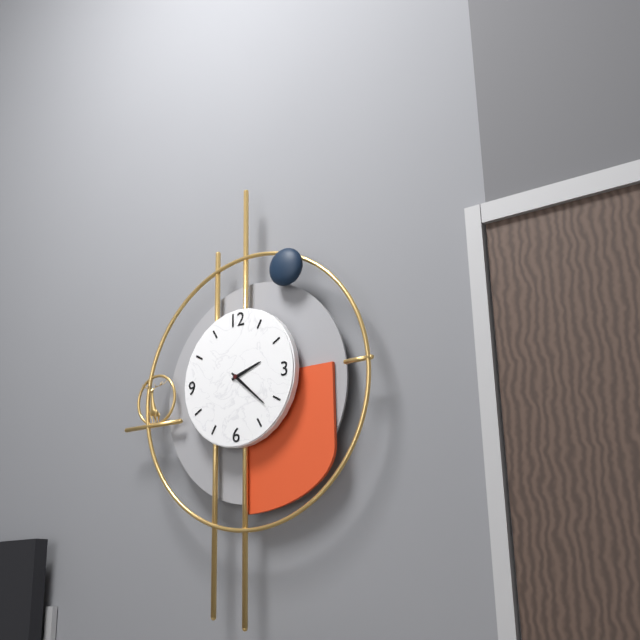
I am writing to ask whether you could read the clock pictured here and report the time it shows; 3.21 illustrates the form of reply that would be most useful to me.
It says 2.22
